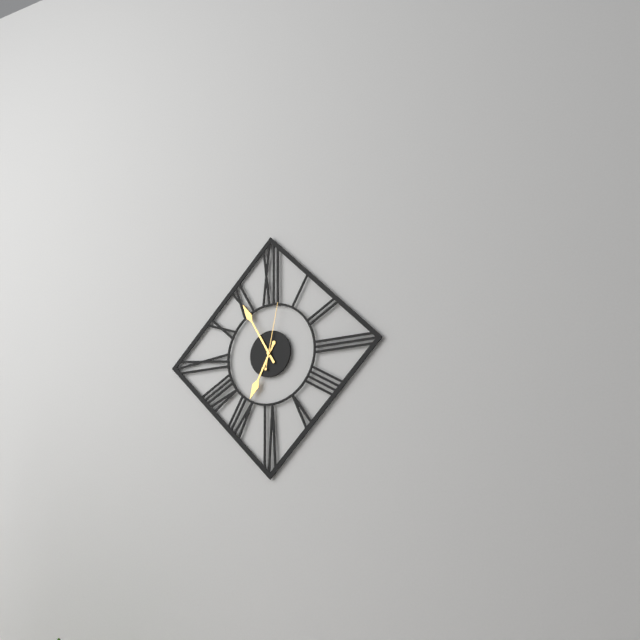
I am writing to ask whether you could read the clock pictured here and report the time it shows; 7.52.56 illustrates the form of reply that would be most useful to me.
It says 6.55.02
